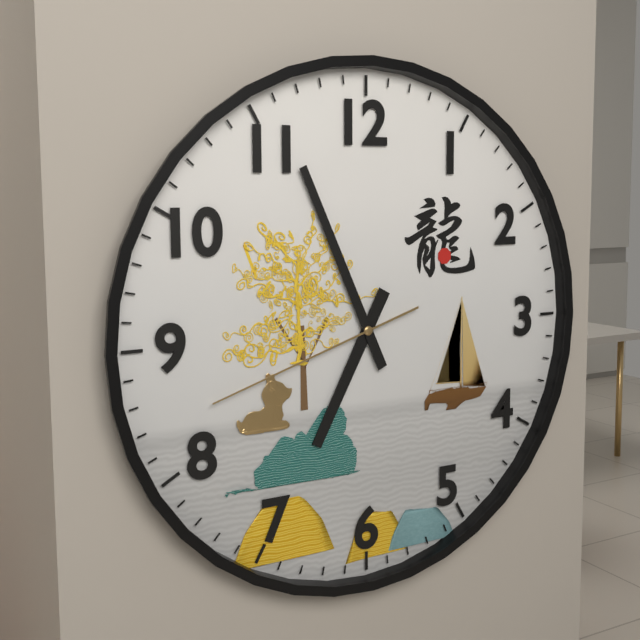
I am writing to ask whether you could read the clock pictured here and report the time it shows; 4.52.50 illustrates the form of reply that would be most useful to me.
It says 6.56.42
